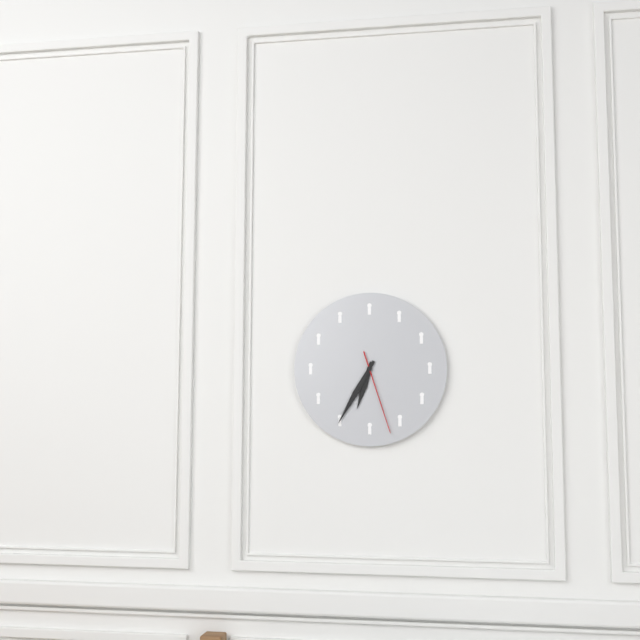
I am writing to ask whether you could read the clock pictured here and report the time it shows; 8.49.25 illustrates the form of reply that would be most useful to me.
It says 6.35.27
